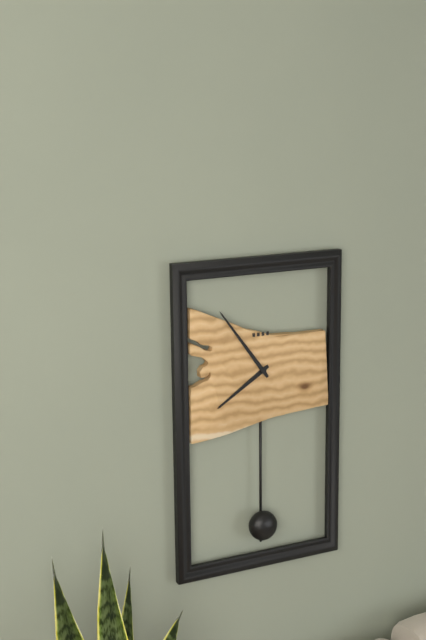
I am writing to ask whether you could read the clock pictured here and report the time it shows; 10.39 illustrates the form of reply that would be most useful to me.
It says 7.54
